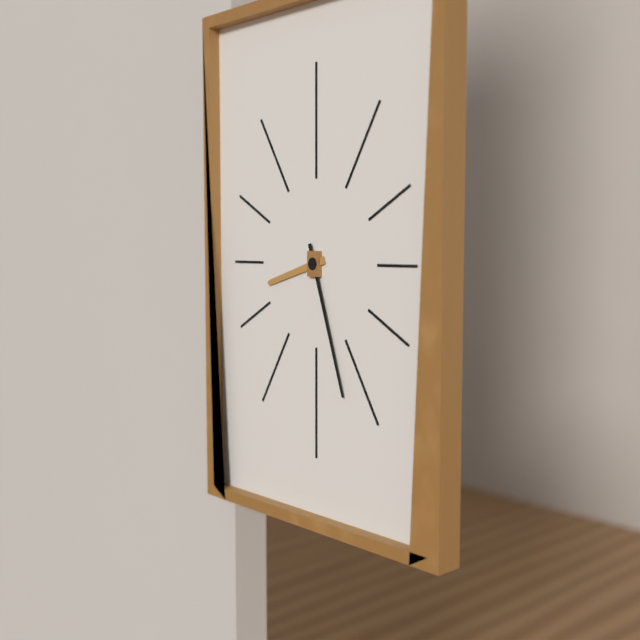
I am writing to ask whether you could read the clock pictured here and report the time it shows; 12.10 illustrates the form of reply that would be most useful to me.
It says 8.27
